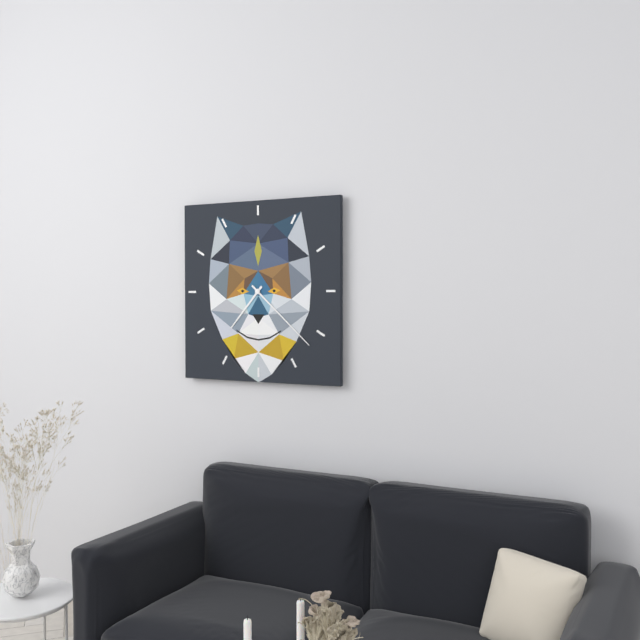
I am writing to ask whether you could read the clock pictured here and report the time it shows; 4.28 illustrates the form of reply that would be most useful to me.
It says 7.22
